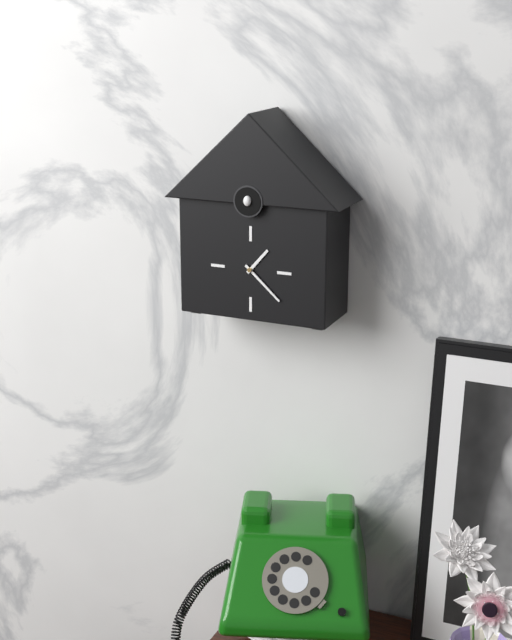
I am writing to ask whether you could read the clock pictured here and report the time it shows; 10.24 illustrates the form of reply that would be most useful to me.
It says 1.22
